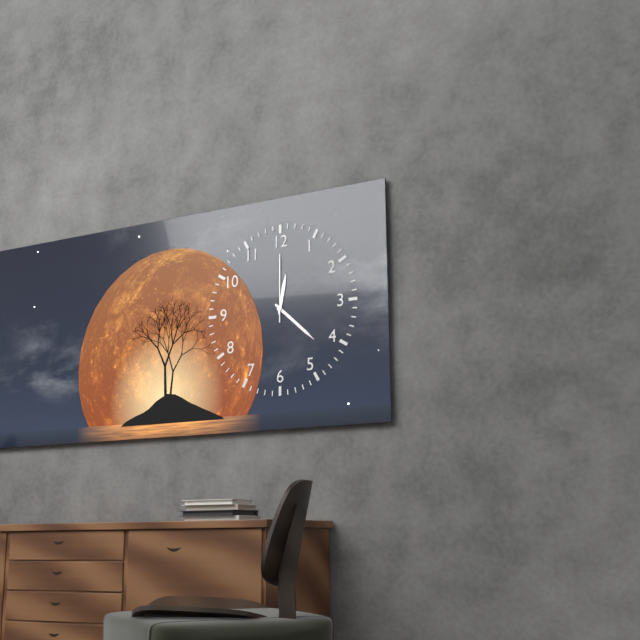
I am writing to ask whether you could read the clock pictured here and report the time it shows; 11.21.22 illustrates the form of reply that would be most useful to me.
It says 12.22.00
